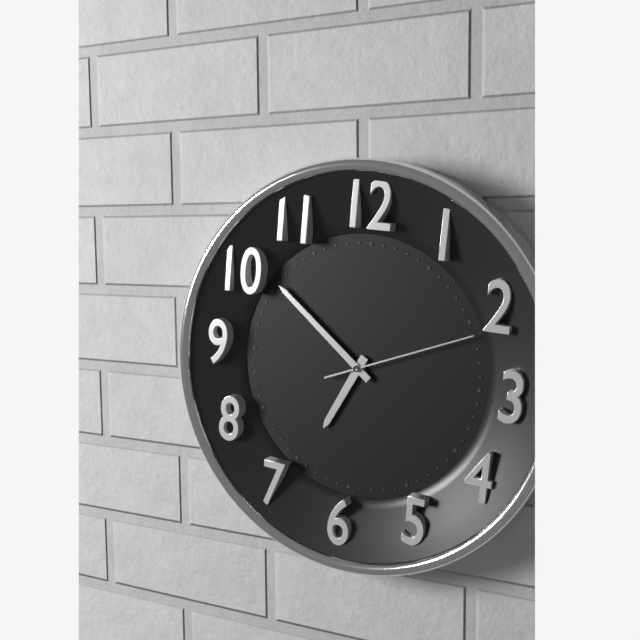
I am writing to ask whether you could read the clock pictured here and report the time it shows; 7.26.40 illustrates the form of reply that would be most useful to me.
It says 6.51.11
